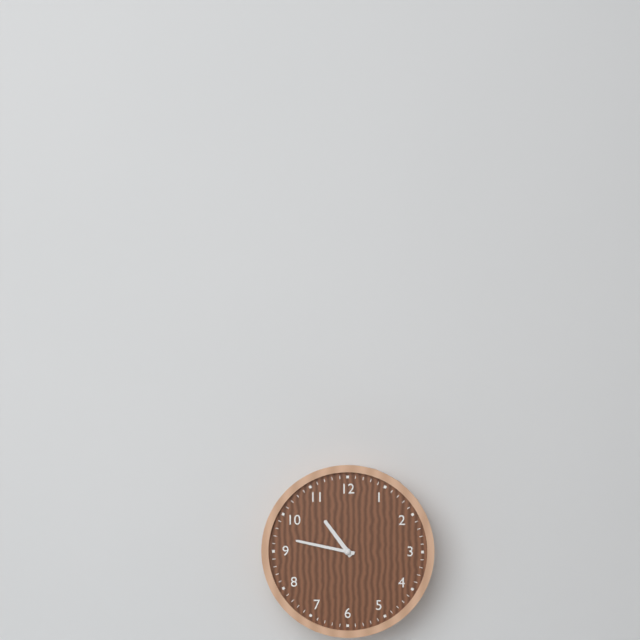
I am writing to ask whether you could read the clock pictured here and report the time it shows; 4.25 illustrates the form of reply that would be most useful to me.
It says 10.47
